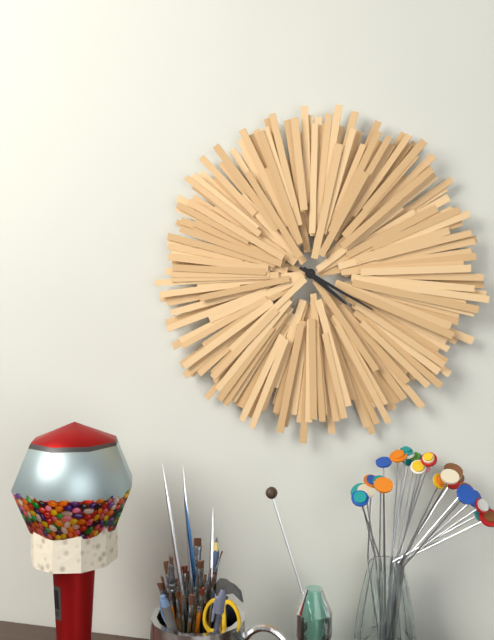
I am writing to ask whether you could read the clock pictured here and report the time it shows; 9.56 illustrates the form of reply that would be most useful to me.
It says 4.20
